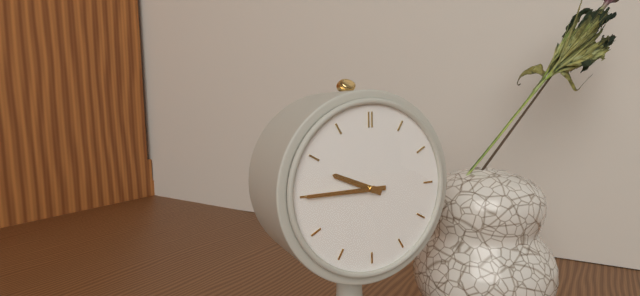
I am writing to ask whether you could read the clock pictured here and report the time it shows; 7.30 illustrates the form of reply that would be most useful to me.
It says 9.45
